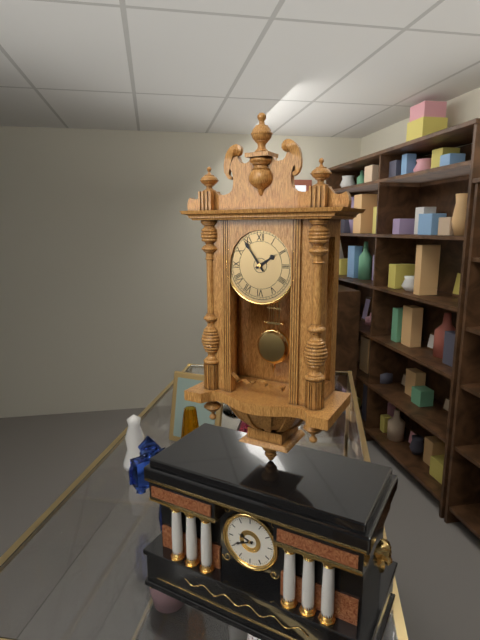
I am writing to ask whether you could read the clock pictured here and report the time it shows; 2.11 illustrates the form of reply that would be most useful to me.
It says 1.54
